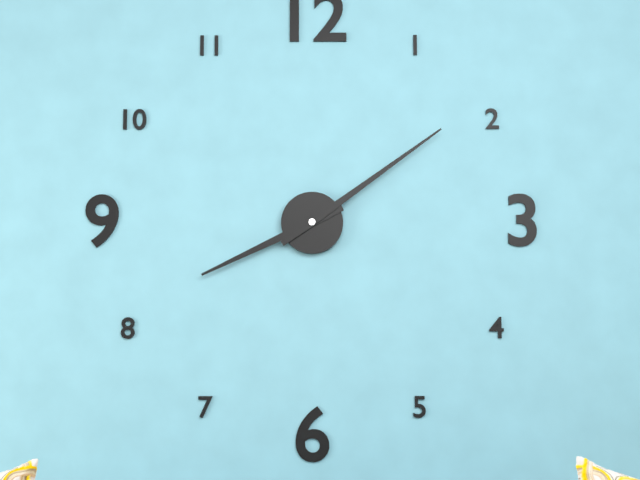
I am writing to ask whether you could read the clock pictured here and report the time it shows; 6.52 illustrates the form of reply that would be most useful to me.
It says 8.09
